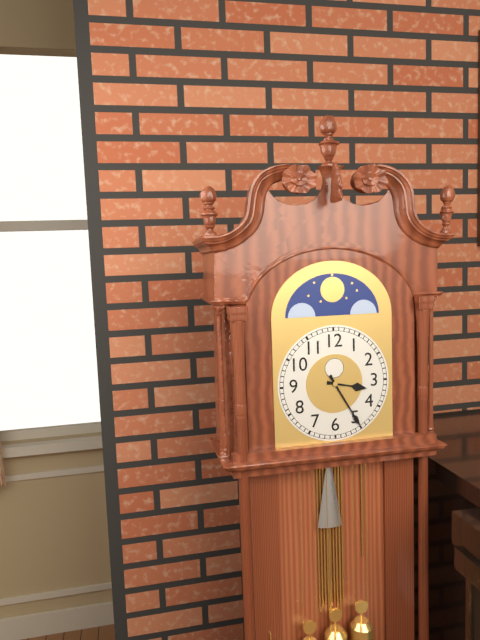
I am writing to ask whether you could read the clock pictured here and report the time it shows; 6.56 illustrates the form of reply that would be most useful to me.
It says 3.25
